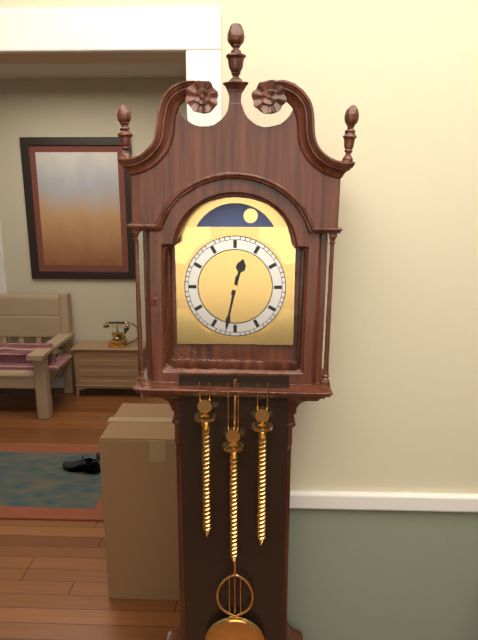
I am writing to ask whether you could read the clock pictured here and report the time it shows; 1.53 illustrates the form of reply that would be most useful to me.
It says 12.32
